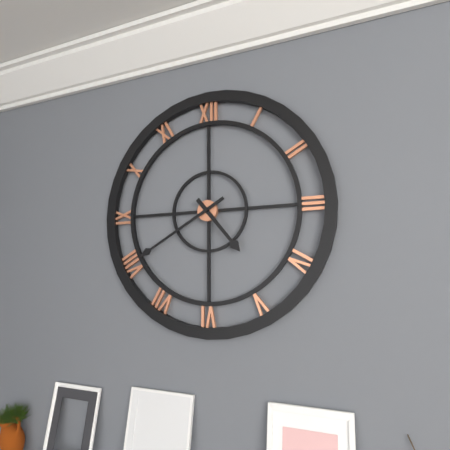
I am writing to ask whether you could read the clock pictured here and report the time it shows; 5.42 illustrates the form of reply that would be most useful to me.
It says 4.40
